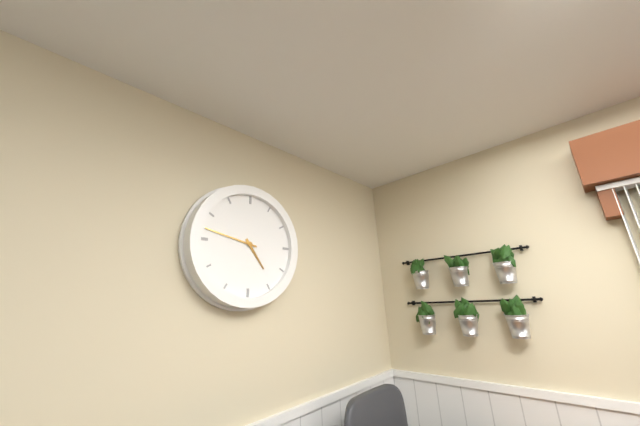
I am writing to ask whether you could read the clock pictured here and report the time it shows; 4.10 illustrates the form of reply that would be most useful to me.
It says 4.47
